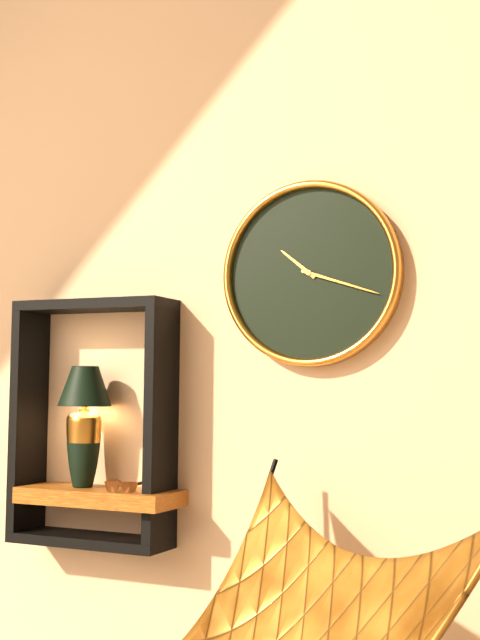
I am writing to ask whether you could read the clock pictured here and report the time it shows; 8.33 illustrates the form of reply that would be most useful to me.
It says 10.18
